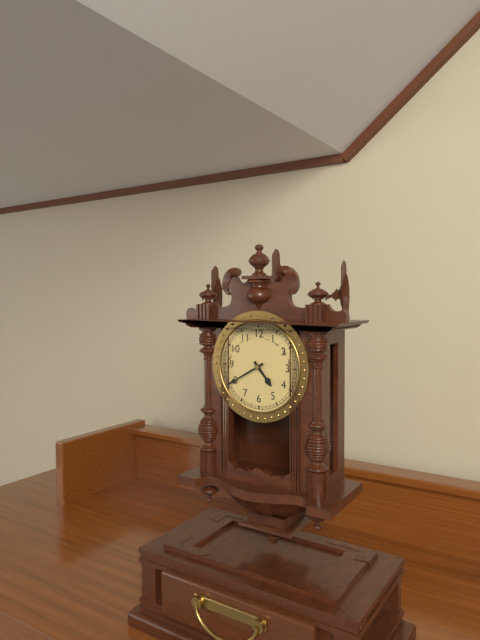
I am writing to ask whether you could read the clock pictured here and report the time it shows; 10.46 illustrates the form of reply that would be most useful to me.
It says 4.40
